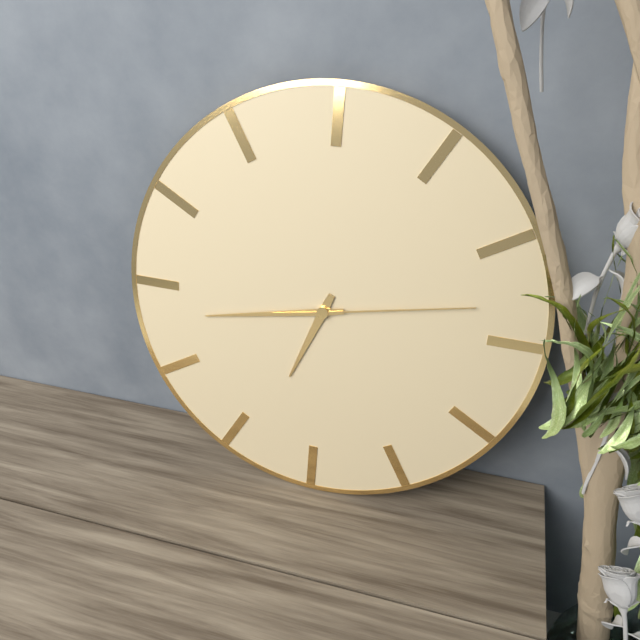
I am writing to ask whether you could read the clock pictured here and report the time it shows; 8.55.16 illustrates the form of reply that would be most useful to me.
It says 6.43.13
